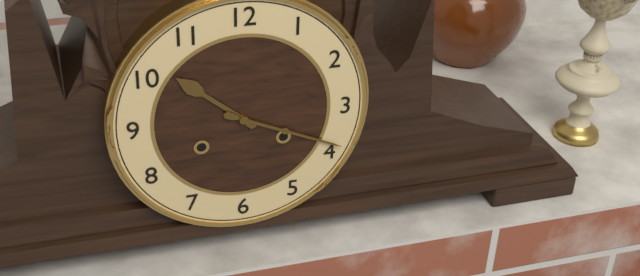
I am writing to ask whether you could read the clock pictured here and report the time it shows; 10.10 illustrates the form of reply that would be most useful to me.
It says 10.19
